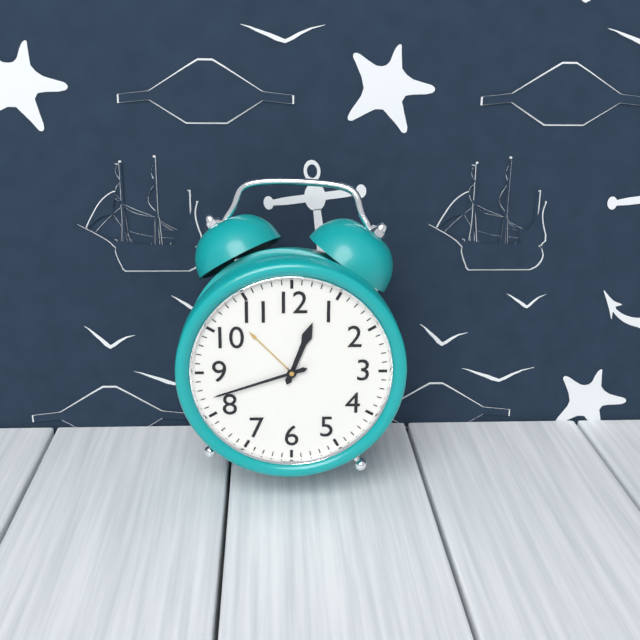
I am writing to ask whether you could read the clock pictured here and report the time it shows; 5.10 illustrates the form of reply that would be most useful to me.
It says 12.42
